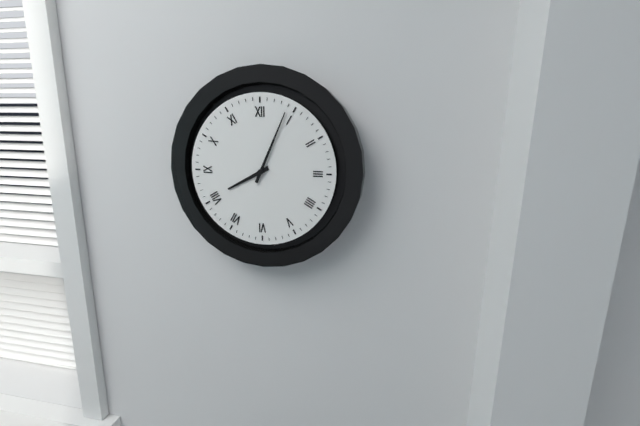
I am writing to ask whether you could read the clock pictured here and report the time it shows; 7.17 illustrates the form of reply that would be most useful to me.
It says 8.04
